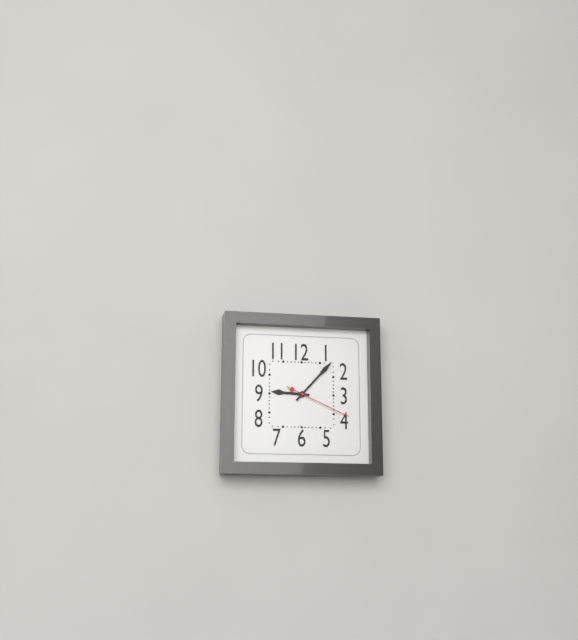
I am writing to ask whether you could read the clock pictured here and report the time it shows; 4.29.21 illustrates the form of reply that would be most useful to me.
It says 9.07.19
